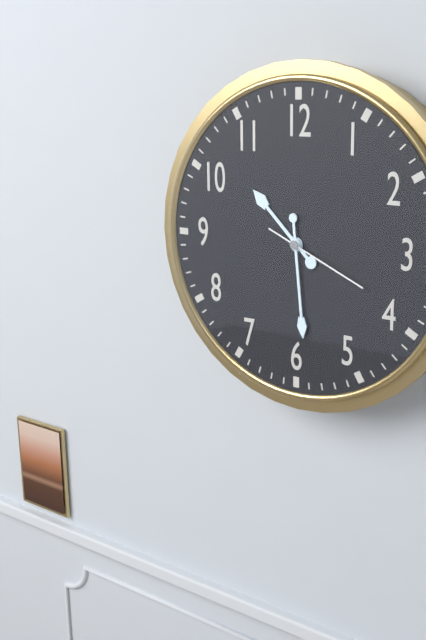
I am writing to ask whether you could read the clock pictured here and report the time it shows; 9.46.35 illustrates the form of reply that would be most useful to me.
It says 10.29.19
